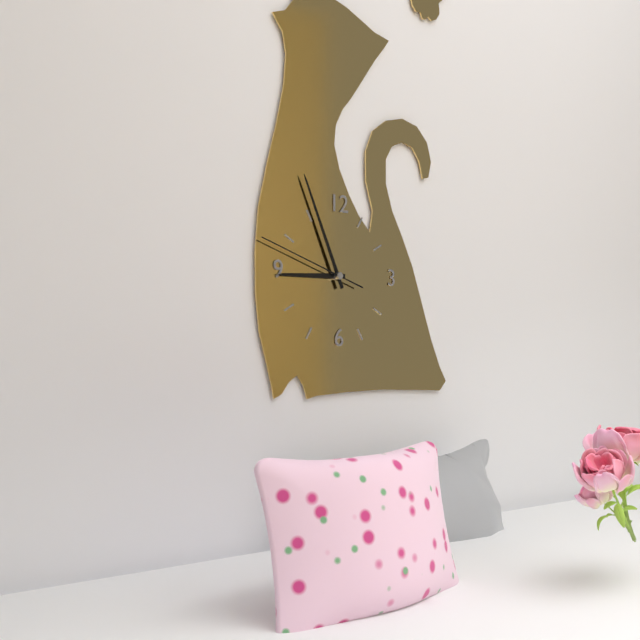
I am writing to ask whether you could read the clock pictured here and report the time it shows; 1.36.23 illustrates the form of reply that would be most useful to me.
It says 8.56.48
